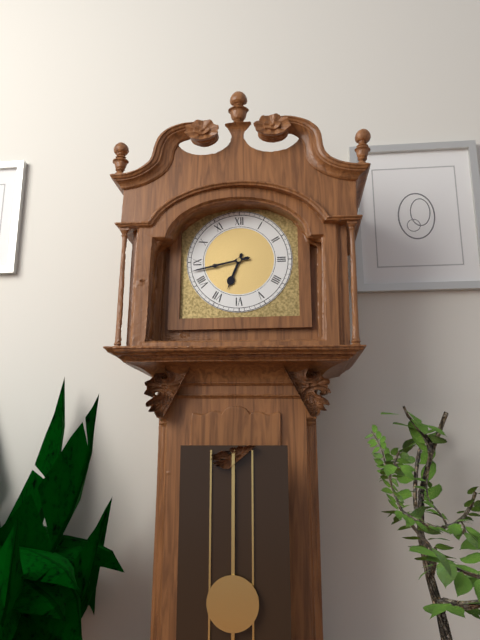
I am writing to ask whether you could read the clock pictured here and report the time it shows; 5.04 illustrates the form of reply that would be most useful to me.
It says 6.43
